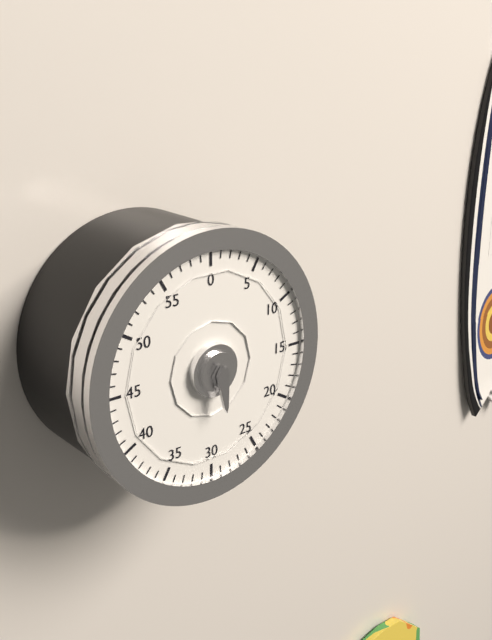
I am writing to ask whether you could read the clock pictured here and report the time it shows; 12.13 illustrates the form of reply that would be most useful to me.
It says 5.29
